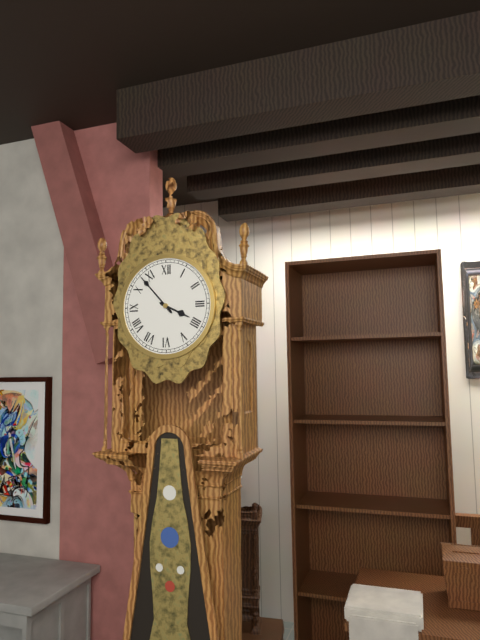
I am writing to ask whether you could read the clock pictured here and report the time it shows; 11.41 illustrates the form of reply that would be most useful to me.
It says 3.53
